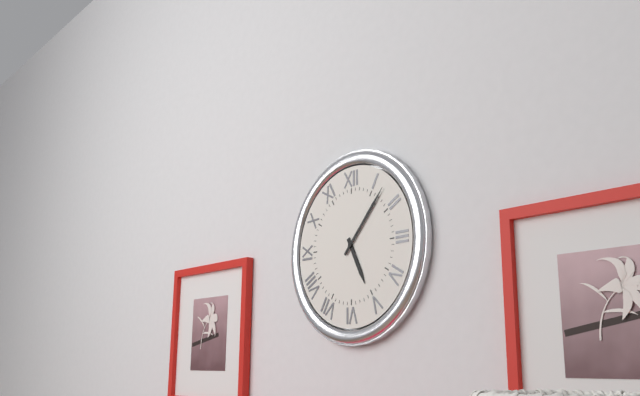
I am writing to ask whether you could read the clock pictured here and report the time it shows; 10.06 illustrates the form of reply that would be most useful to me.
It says 5.07
